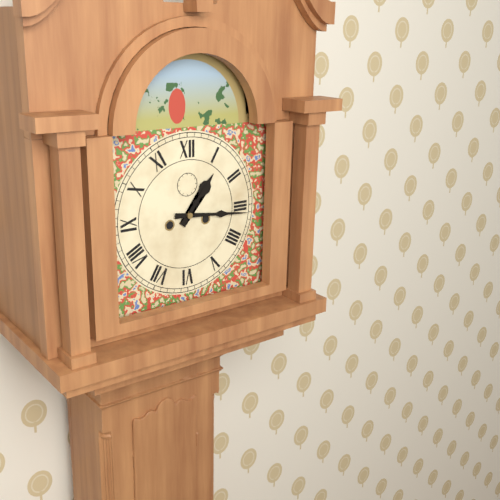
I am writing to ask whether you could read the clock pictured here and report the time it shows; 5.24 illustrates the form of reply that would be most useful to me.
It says 1.16
